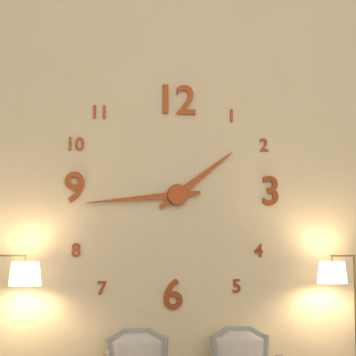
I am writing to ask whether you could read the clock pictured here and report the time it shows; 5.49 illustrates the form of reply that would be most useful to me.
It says 1.44
